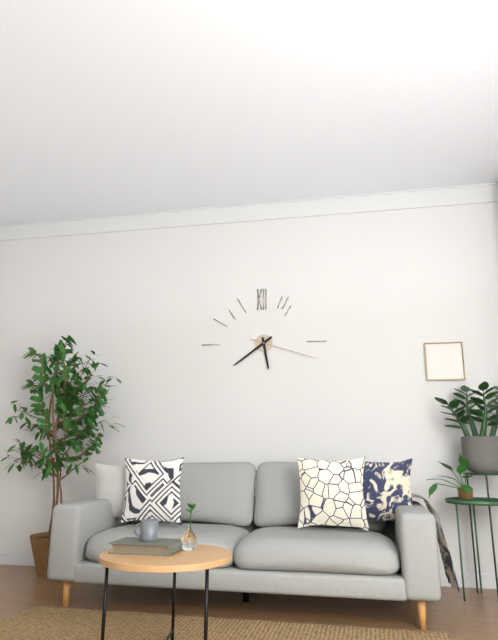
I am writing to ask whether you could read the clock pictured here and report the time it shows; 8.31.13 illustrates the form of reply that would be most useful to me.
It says 5.39.18
